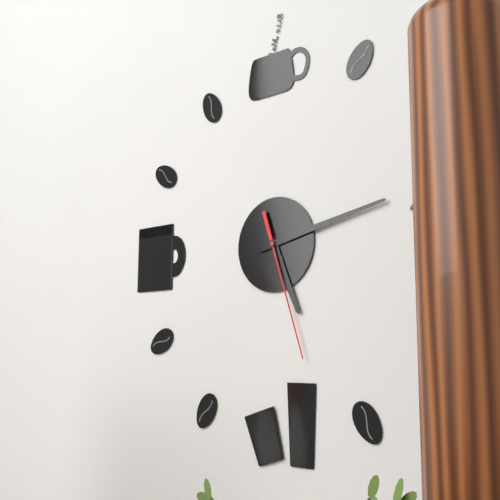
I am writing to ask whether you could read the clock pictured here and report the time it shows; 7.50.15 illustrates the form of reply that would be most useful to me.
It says 5.13.27
